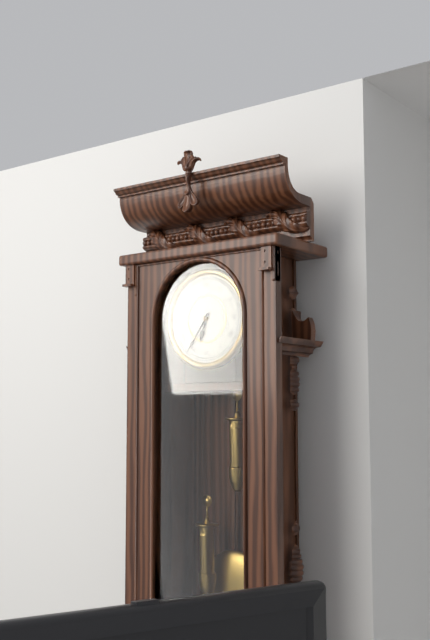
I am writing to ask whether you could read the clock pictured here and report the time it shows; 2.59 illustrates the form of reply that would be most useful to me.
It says 6.36
